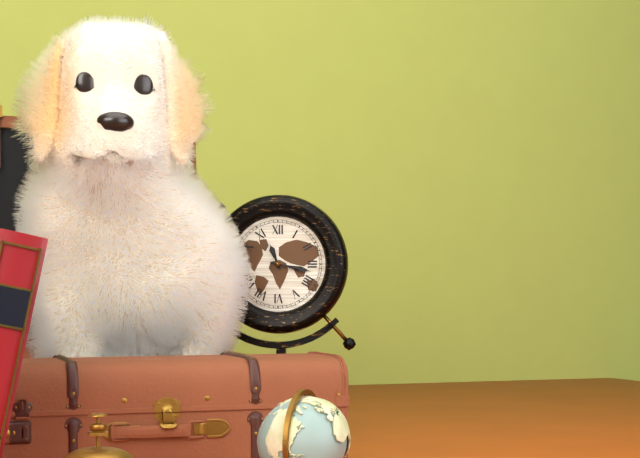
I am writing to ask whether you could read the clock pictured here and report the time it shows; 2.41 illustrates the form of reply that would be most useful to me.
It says 11.17
